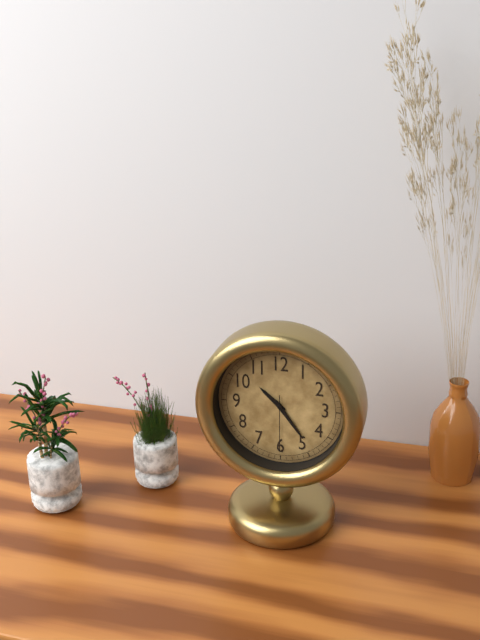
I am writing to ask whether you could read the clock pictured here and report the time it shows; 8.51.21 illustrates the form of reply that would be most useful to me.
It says 10.24.30
